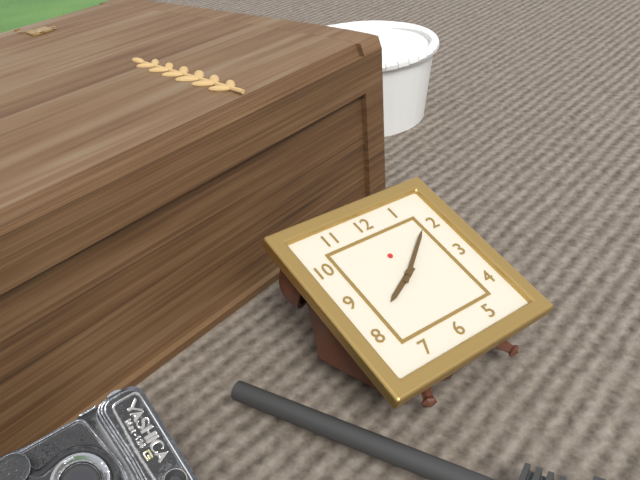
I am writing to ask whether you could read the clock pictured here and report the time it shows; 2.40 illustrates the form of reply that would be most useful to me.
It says 8.09
